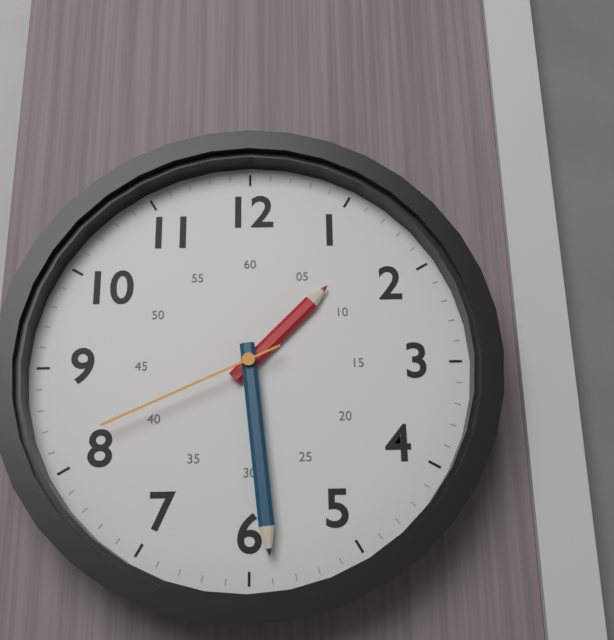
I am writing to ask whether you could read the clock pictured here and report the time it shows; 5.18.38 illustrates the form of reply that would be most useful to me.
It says 1.29.41
